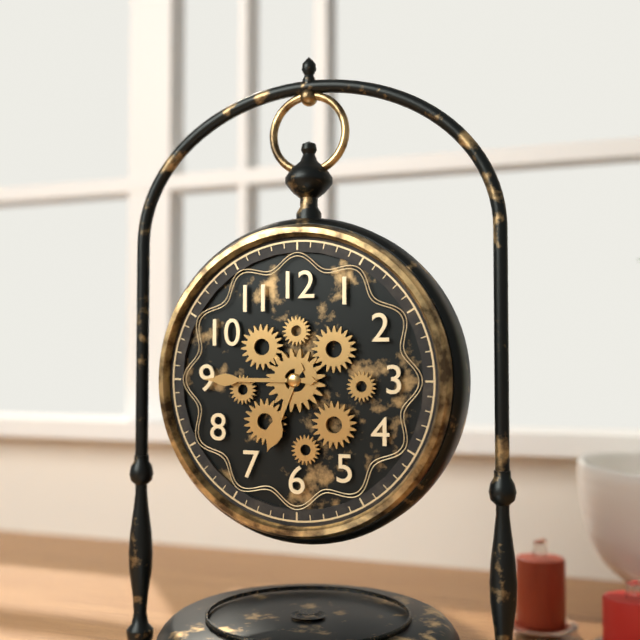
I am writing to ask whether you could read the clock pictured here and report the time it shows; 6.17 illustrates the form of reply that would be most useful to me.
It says 6.45
